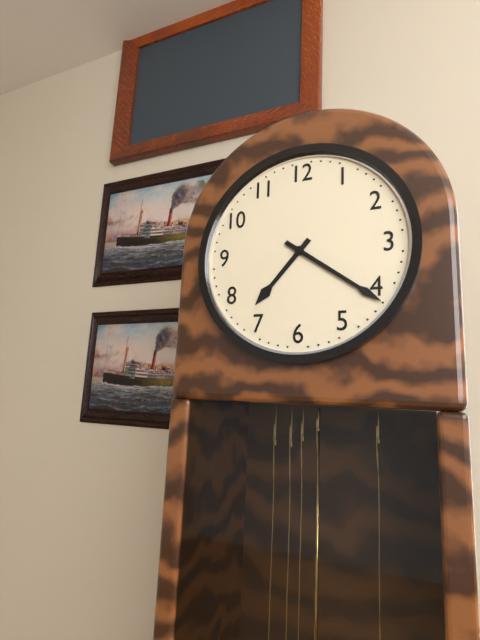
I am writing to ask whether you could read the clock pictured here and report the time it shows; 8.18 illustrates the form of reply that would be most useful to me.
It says 7.21
